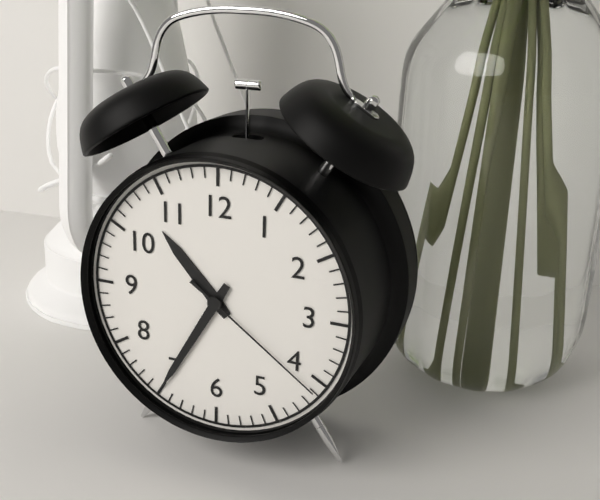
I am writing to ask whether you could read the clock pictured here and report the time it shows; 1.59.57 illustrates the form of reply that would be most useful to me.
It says 10.35.21
